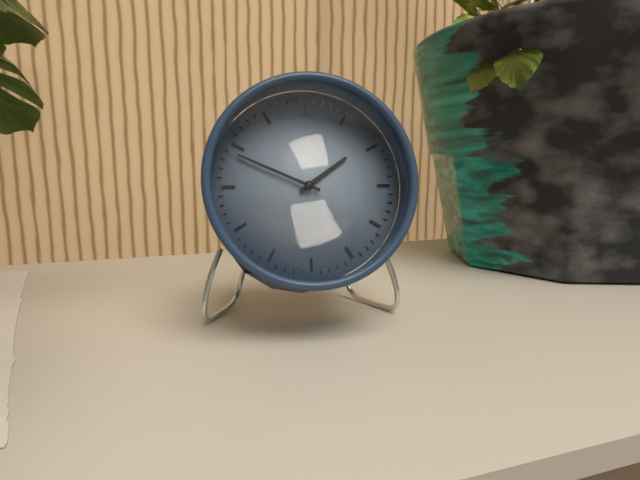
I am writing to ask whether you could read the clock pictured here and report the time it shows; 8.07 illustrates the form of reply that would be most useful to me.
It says 1.49
